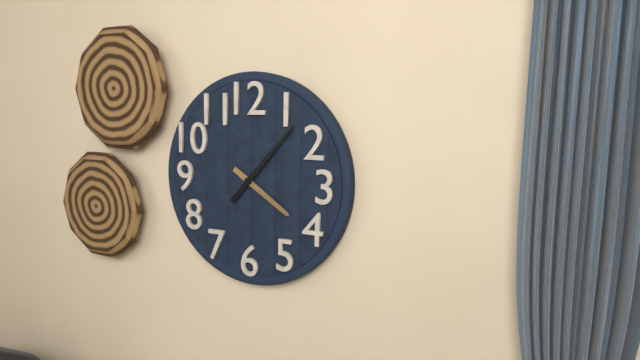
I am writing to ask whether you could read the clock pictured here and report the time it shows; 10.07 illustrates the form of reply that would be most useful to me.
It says 4.07
